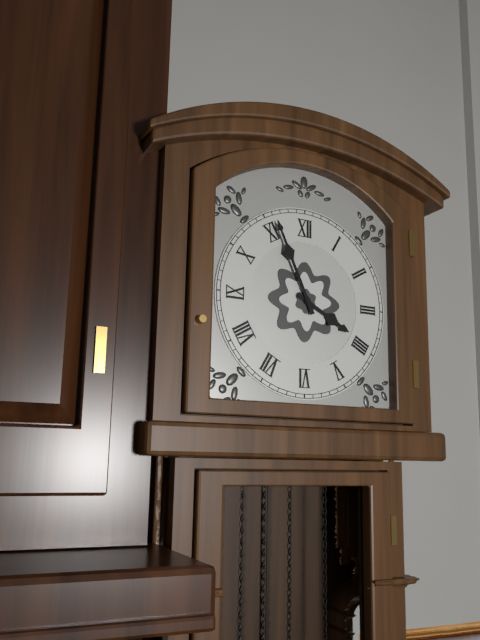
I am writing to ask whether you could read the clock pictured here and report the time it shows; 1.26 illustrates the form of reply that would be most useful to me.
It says 3.56
